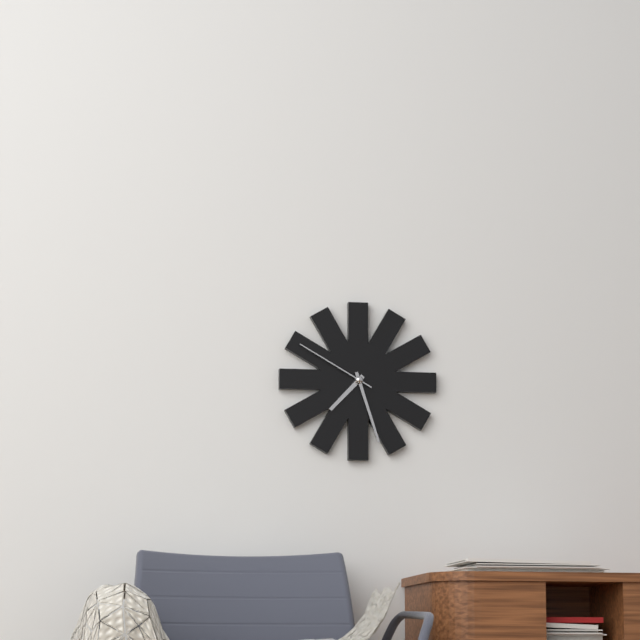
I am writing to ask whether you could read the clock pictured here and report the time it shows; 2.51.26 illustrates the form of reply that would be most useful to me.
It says 7.27.50
